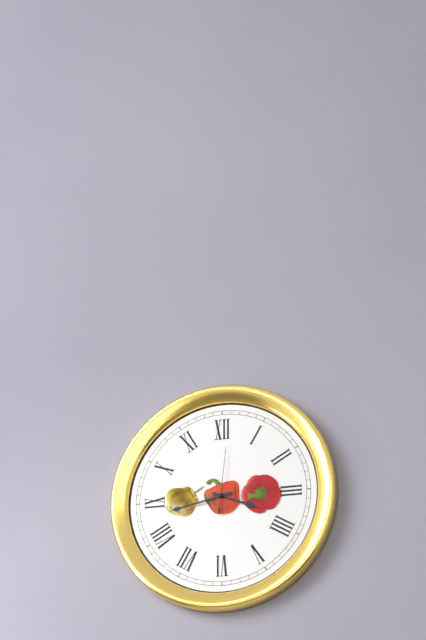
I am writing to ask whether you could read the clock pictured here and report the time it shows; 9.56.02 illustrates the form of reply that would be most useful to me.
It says 3.43.01
